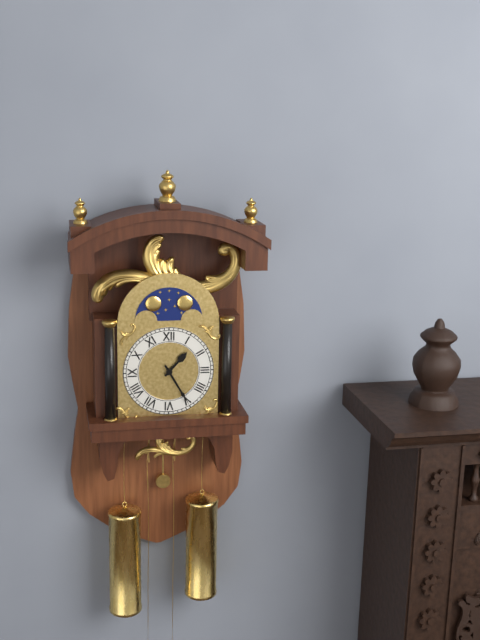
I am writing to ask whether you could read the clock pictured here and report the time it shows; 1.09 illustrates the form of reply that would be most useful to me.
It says 1.25
